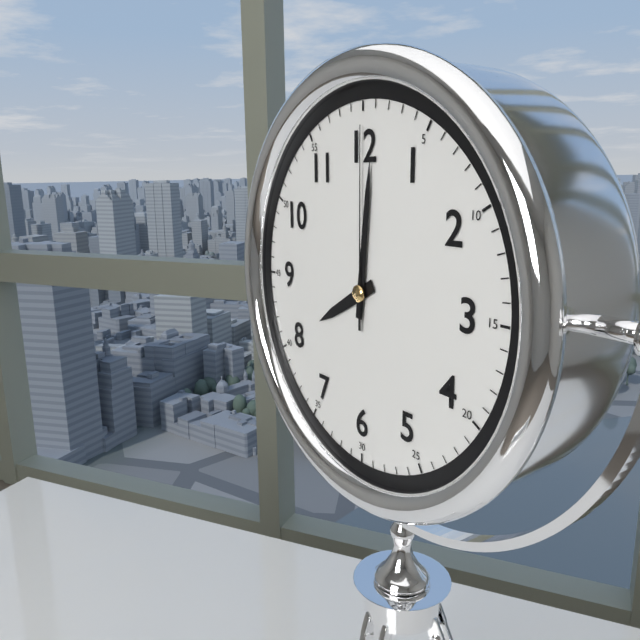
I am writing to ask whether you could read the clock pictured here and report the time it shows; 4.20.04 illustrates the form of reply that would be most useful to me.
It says 8.01.00
